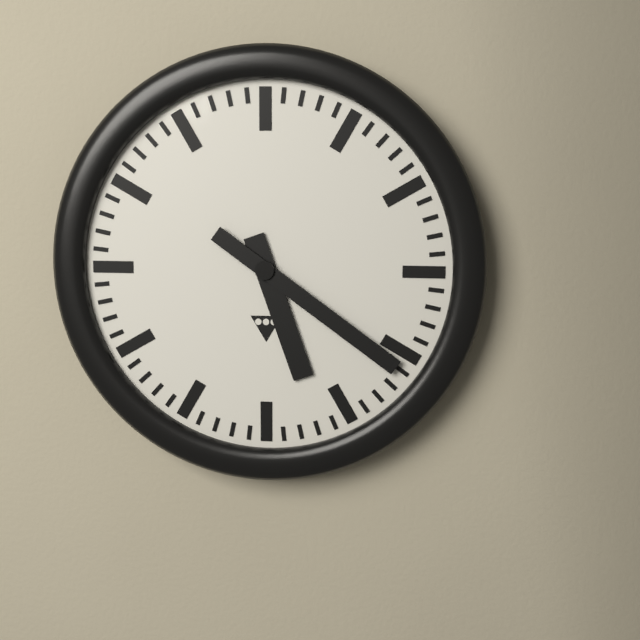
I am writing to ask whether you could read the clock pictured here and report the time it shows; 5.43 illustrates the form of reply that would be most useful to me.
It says 5.21
